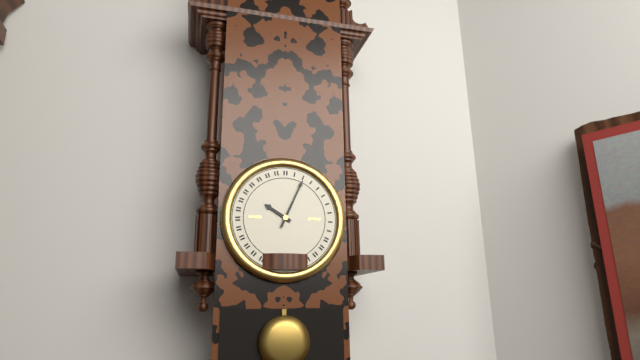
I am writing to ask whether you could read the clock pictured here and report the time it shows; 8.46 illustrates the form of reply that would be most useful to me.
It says 10.04
